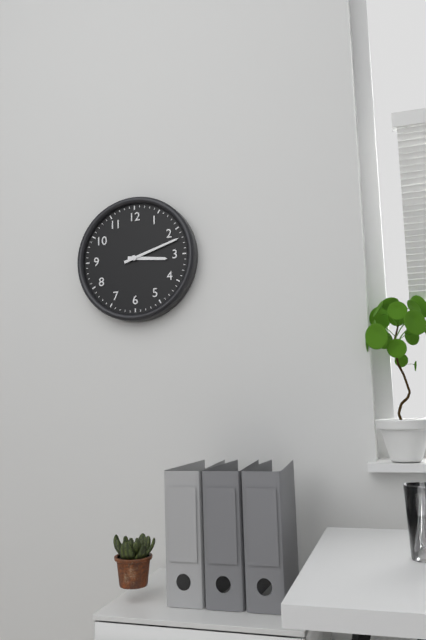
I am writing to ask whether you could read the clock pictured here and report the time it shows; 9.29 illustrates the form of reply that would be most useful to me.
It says 3.12
